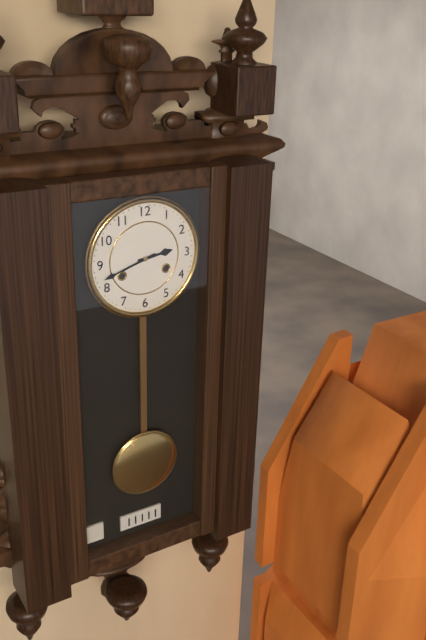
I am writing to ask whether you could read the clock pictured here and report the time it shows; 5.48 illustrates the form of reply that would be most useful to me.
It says 2.42
